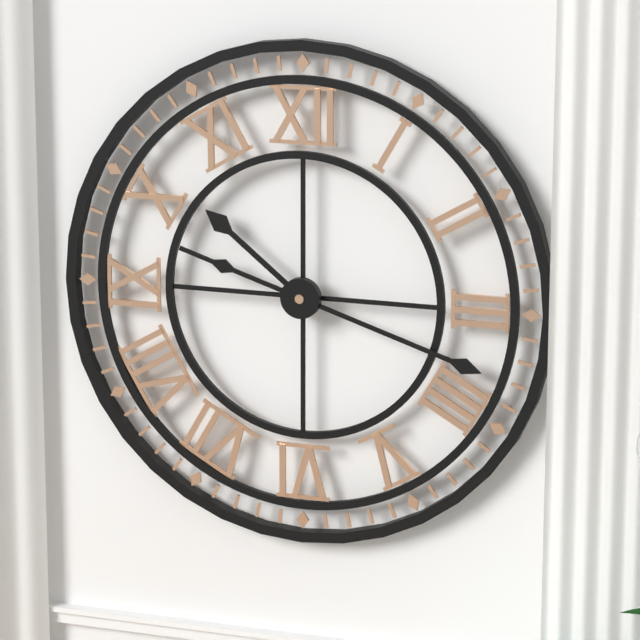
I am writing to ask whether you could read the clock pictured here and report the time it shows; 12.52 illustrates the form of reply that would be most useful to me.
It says 10.18
